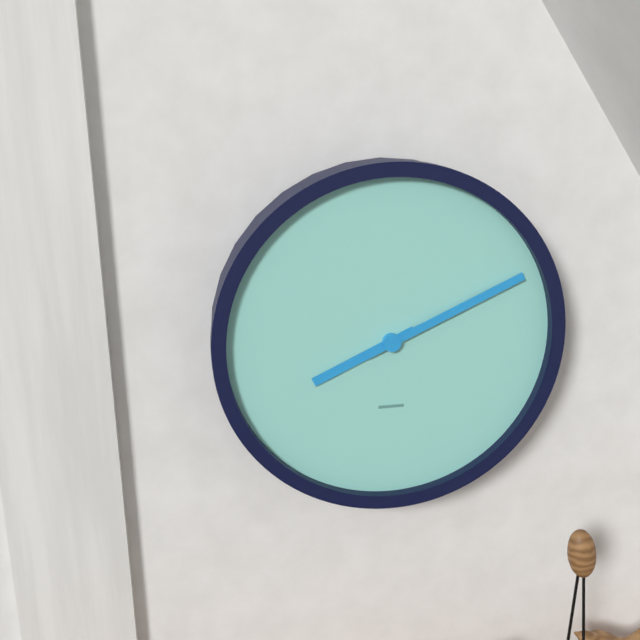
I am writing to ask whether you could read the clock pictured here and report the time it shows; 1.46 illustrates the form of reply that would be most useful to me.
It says 8.11
